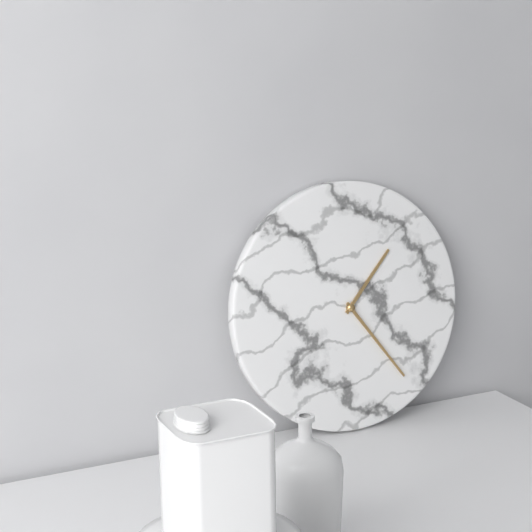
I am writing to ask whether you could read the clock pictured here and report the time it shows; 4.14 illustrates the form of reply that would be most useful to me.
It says 1.24
